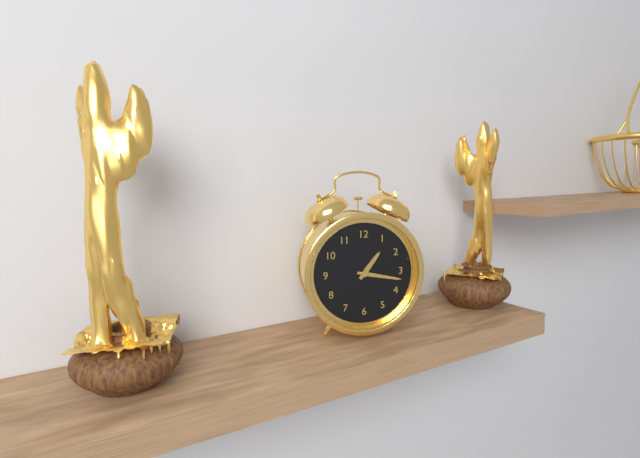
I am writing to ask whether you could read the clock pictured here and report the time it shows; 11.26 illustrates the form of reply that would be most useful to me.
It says 1.17
